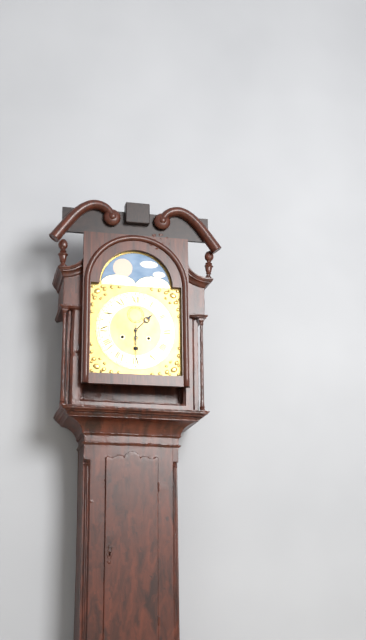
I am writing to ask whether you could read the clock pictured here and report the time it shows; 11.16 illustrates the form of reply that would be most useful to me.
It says 1.30
